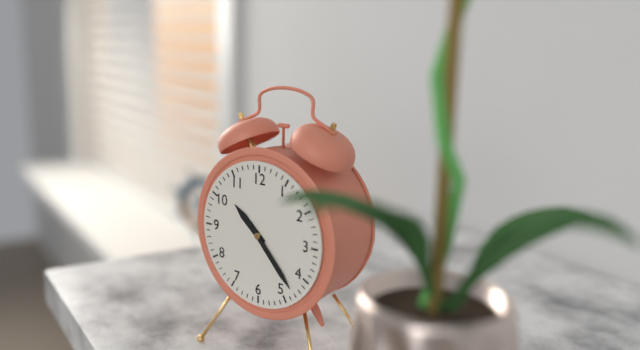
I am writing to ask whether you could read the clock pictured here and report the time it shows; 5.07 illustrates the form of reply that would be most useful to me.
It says 10.23
